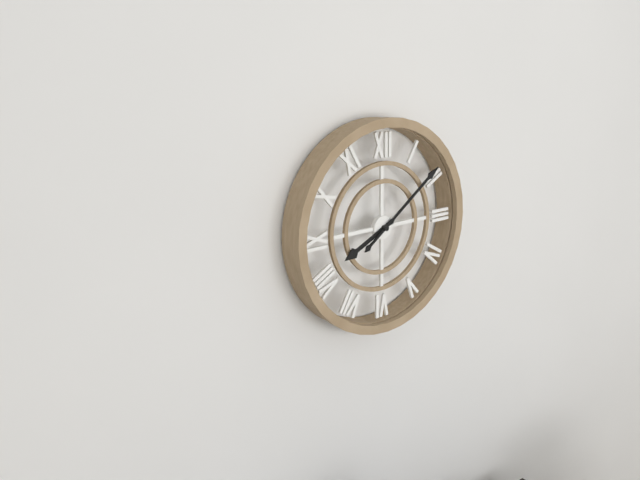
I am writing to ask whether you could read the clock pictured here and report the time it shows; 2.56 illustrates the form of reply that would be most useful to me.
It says 8.09
